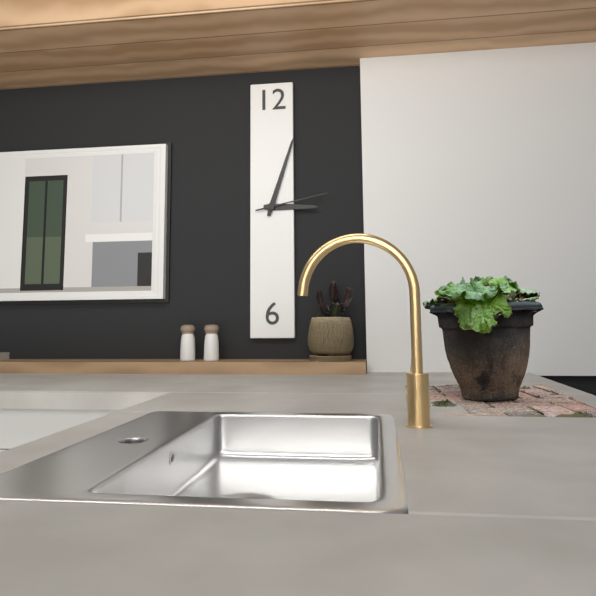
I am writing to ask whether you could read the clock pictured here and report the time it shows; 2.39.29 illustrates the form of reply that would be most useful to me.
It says 3.03.13
